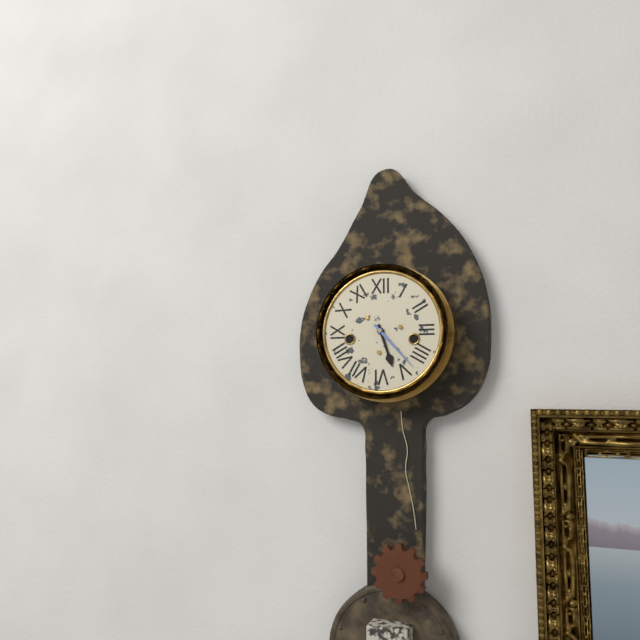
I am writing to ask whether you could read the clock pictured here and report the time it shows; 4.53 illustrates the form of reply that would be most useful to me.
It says 5.23
